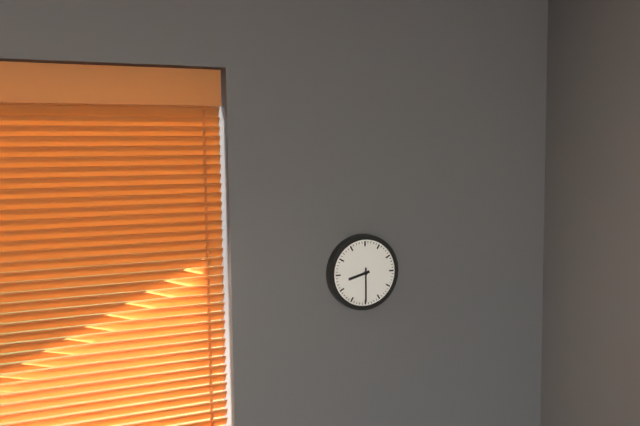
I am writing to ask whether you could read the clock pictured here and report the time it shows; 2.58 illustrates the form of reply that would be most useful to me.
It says 8.30
